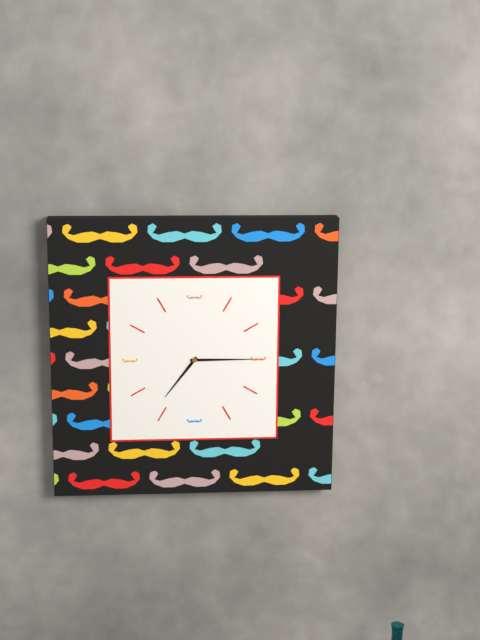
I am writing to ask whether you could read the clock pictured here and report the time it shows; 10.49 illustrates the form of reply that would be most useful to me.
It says 7.15
